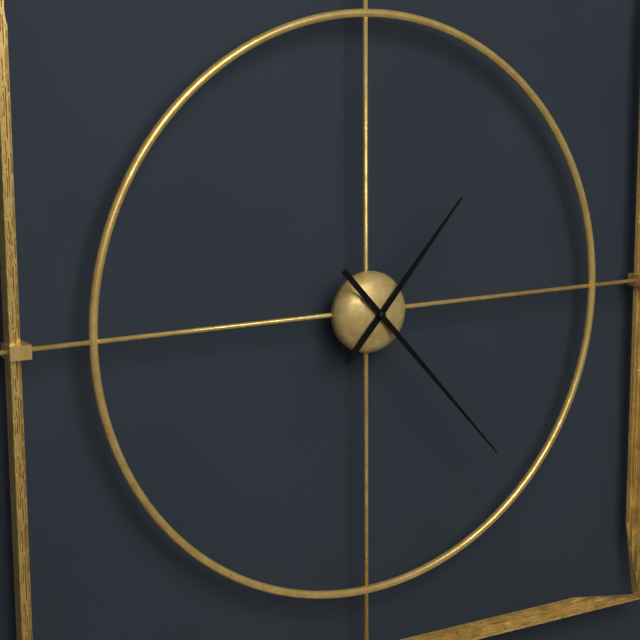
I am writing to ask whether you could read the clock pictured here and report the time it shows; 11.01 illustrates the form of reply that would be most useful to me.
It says 1.23
